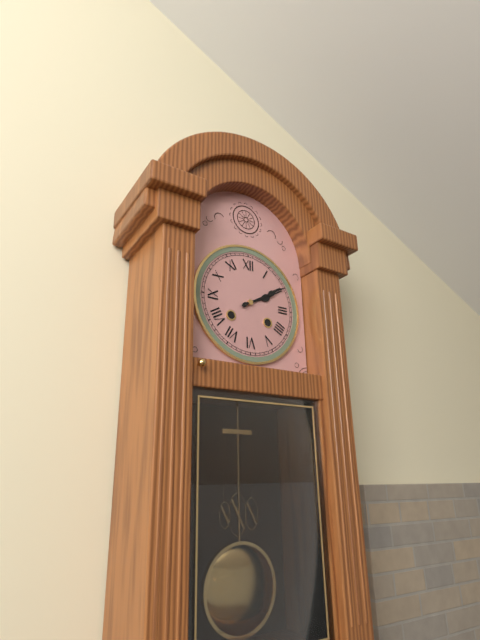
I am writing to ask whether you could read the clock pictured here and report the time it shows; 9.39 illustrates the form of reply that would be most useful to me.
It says 2.10
